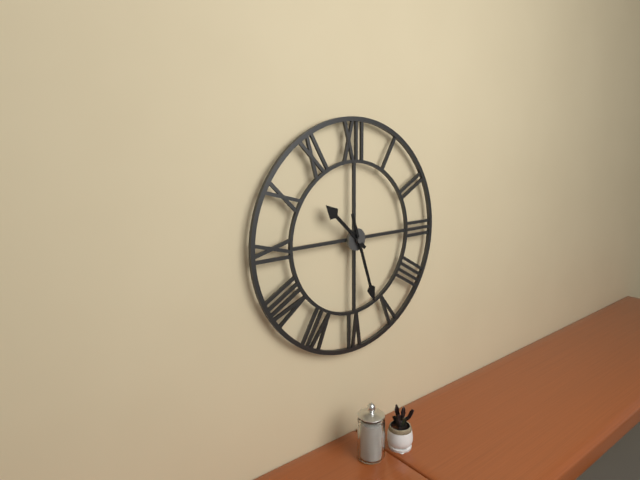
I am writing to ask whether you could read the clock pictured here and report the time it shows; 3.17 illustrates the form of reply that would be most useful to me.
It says 10.27
